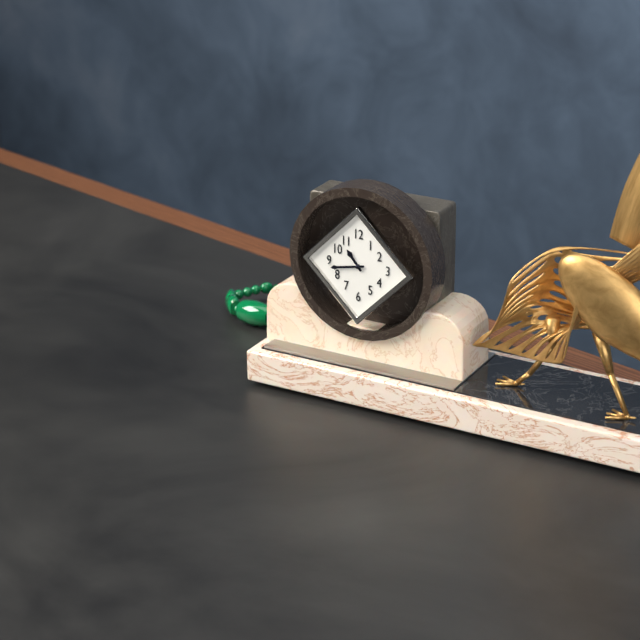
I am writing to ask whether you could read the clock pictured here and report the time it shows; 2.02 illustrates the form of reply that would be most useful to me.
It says 10.43
